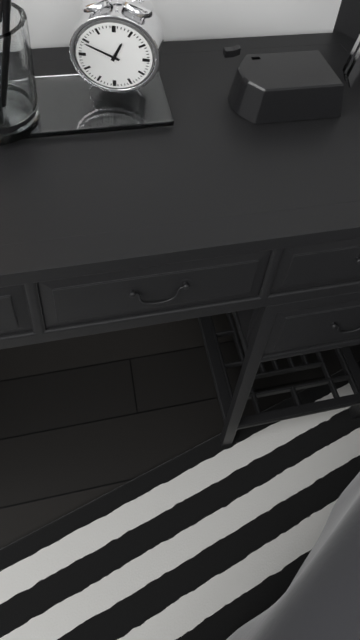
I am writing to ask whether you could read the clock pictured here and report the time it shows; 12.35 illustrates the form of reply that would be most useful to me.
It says 12.49
